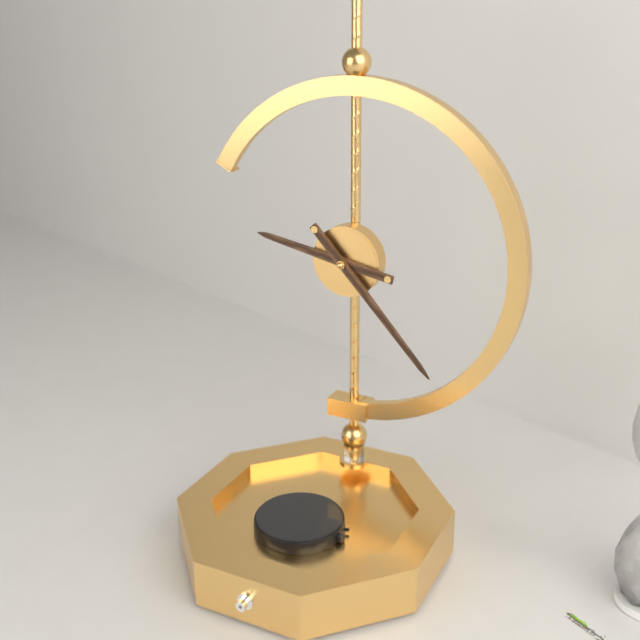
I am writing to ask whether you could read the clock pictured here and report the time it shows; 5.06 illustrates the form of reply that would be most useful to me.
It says 9.23
